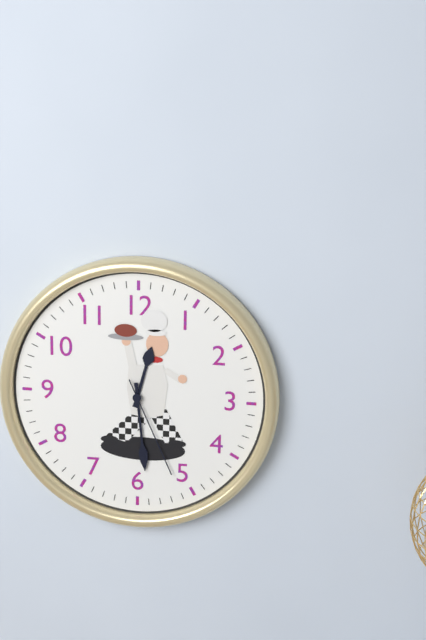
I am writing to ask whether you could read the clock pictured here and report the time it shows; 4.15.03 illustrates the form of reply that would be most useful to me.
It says 12.29.26
